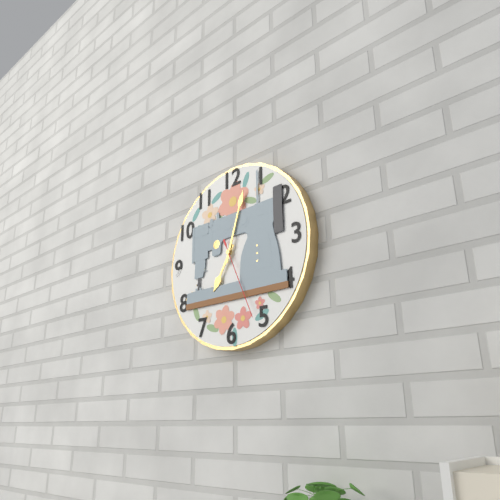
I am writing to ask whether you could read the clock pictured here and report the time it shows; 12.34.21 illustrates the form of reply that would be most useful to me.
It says 7.03.26
